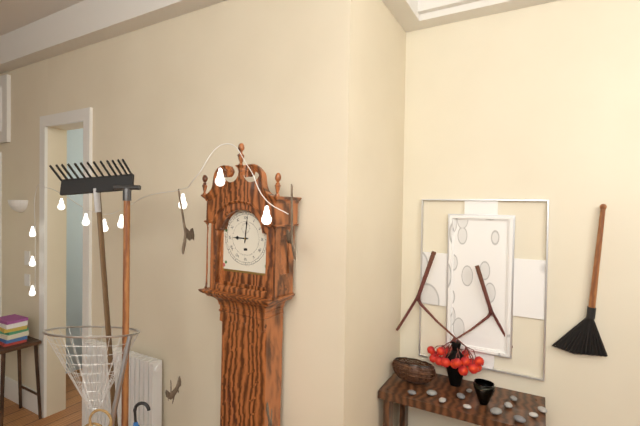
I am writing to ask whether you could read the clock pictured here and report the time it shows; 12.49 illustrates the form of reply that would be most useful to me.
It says 9.01
